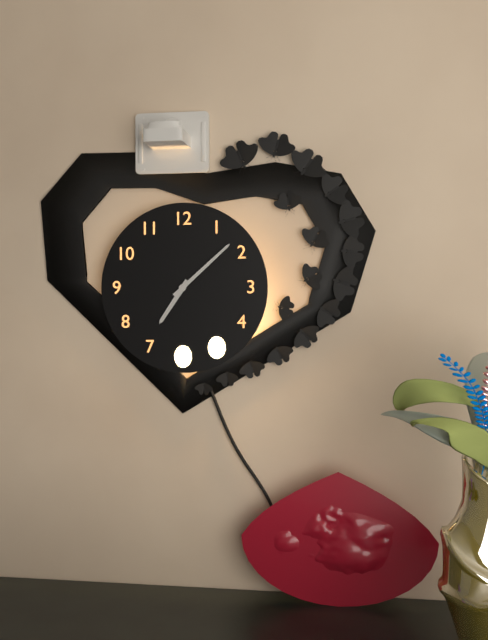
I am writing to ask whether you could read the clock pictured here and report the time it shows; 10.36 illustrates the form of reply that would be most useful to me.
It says 7.08
